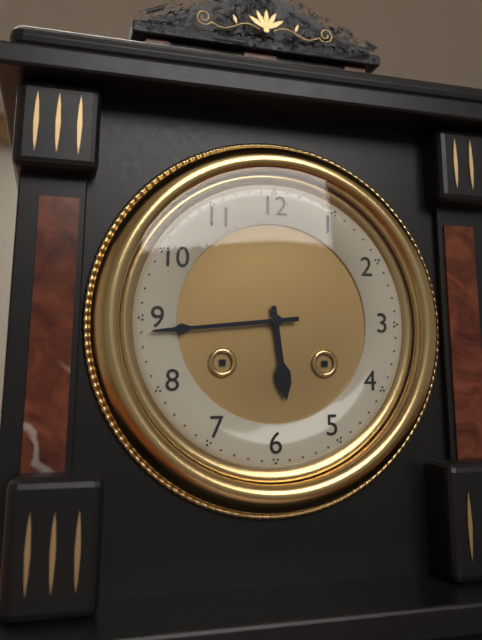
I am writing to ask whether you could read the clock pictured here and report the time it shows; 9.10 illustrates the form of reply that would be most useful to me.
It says 5.44
